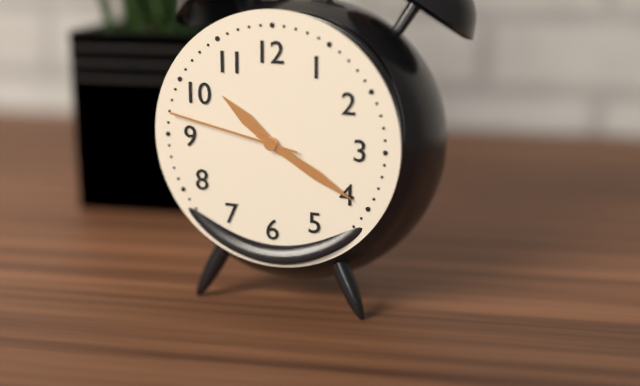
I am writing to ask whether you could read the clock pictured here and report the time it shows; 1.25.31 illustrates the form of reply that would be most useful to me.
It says 10.20.47
